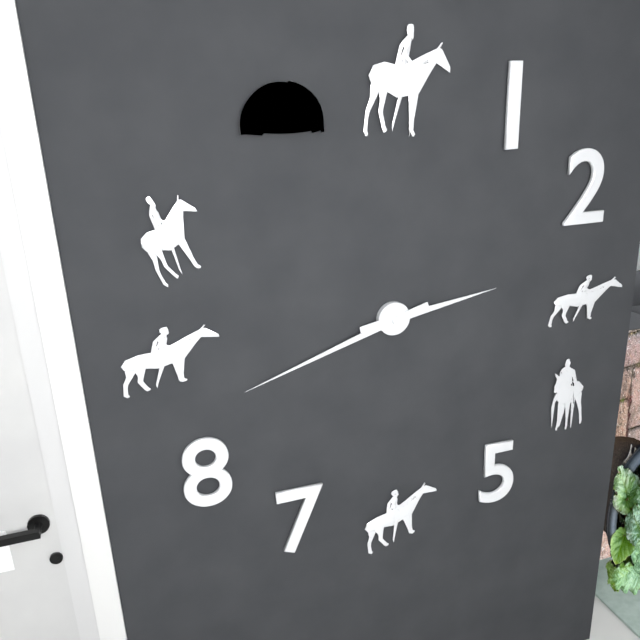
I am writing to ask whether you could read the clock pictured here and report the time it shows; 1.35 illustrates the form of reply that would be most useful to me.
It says 2.42
